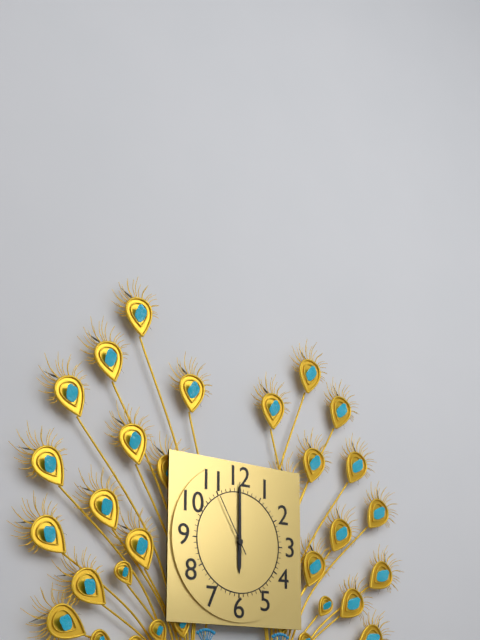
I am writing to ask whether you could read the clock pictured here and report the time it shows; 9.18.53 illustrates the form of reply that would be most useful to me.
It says 6.00.55
